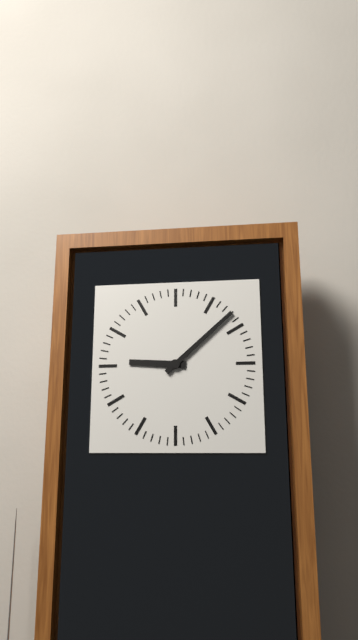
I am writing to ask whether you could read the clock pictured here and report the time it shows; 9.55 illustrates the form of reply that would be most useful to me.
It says 9.08
